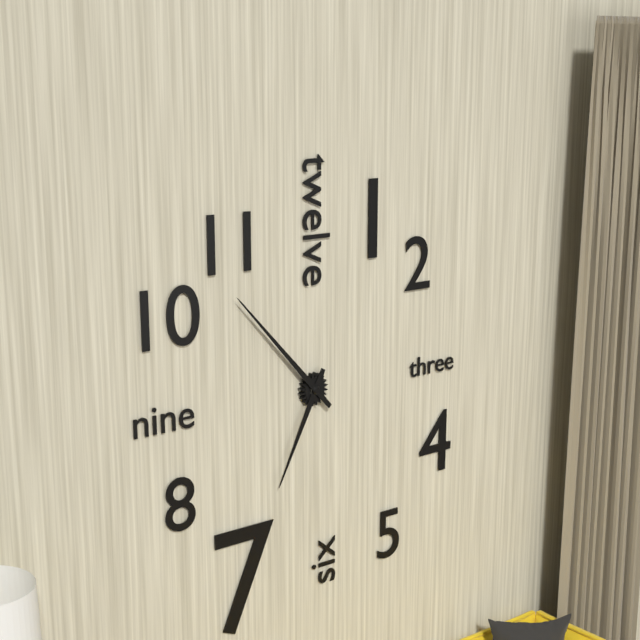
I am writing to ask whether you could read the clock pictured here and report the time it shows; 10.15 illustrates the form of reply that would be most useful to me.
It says 6.53
